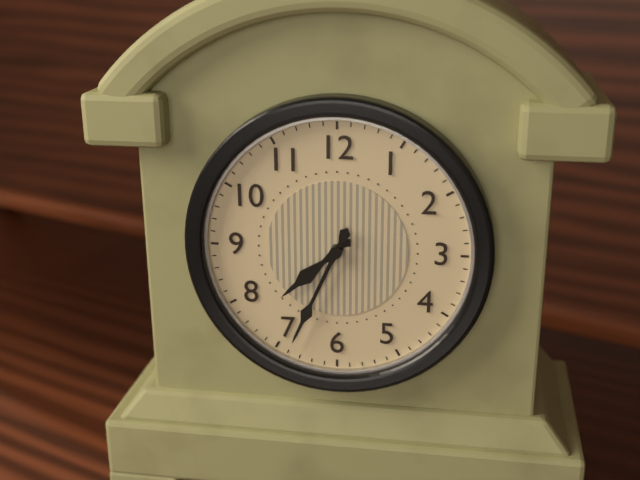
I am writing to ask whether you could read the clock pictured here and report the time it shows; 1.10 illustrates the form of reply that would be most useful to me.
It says 7.34
